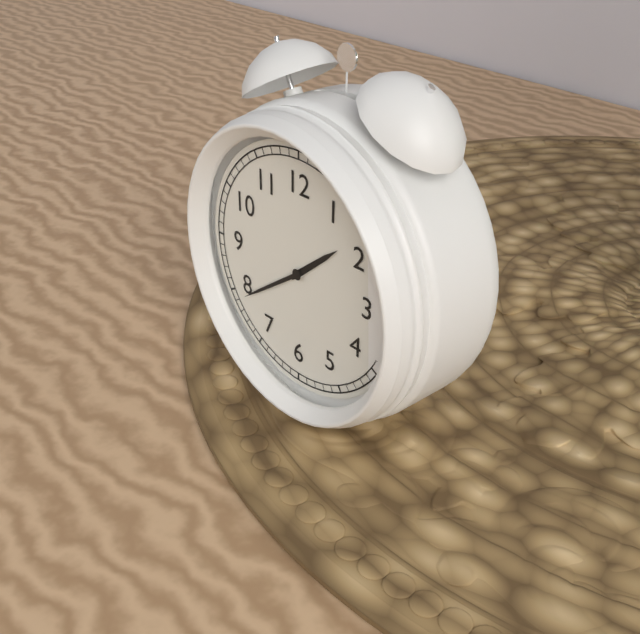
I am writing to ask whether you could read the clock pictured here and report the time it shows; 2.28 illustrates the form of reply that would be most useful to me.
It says 1.39
